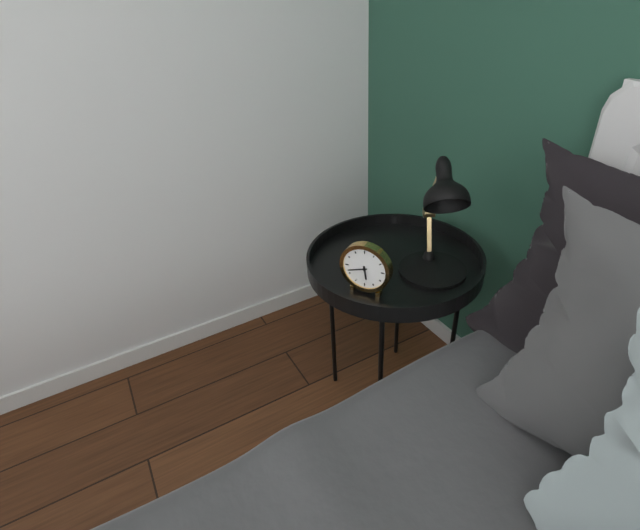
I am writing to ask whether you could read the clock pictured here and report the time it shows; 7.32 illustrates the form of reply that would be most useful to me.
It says 5.42
